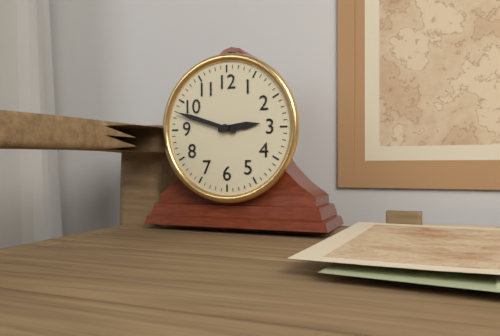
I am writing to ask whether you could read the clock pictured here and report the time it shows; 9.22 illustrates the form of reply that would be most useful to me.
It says 2.48
